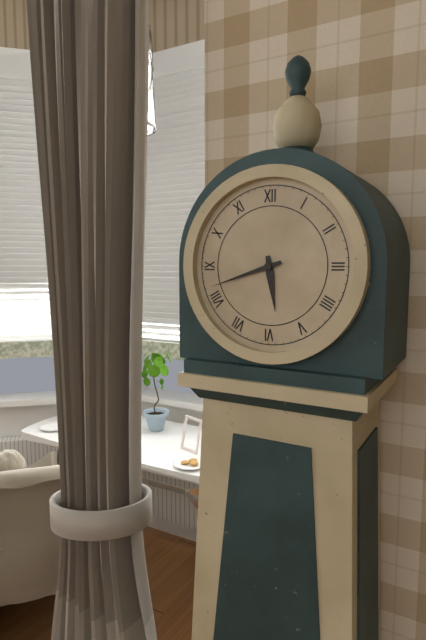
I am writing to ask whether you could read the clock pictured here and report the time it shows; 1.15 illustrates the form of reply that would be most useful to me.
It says 5.42
